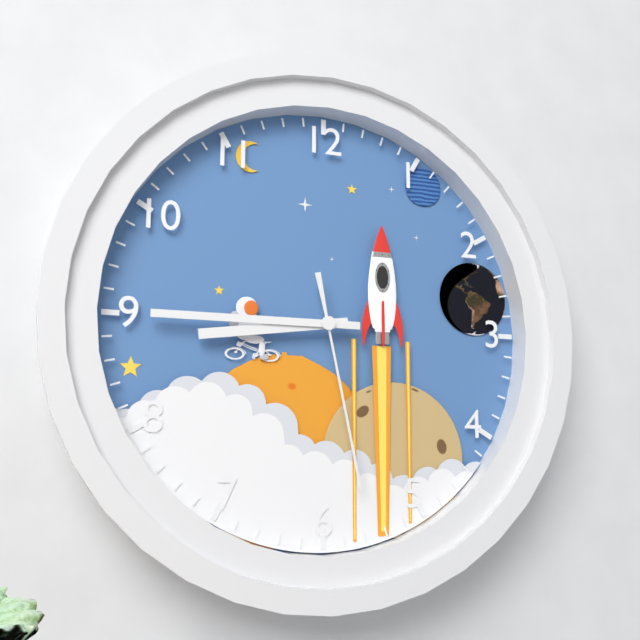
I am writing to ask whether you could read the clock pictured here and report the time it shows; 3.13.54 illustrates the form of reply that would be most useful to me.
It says 8.45.28
